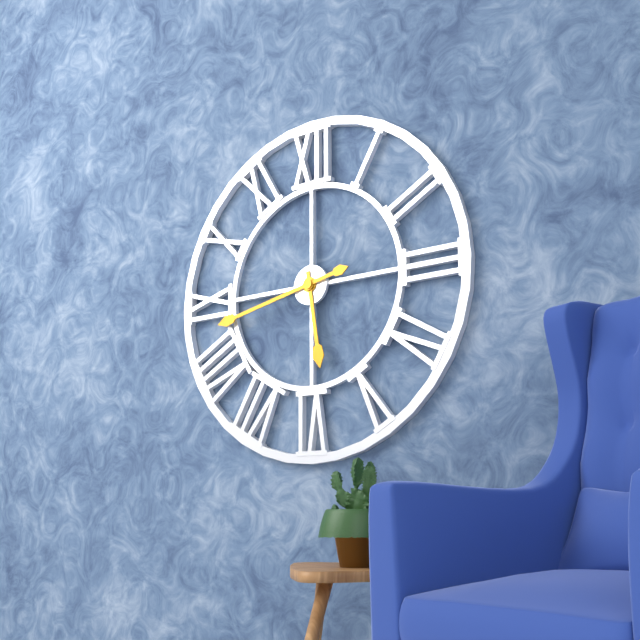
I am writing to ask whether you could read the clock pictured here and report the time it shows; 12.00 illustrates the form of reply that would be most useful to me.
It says 5.43
